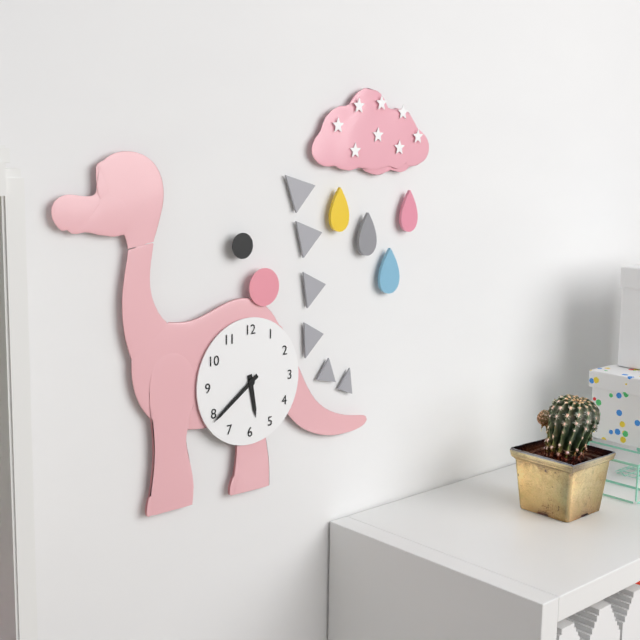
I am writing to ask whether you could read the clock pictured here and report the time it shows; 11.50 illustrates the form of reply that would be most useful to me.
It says 5.39
